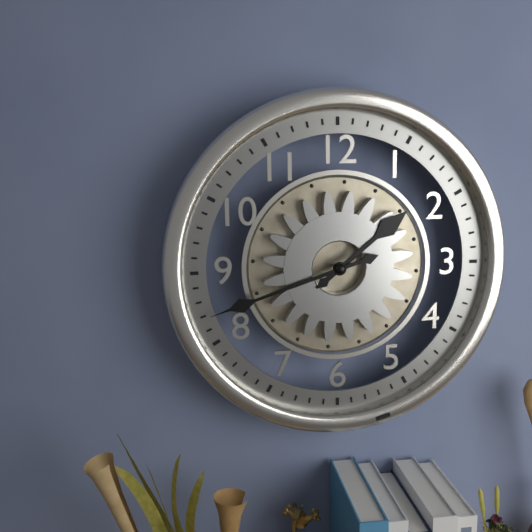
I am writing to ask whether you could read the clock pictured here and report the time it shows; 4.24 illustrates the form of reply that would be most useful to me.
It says 1.42
